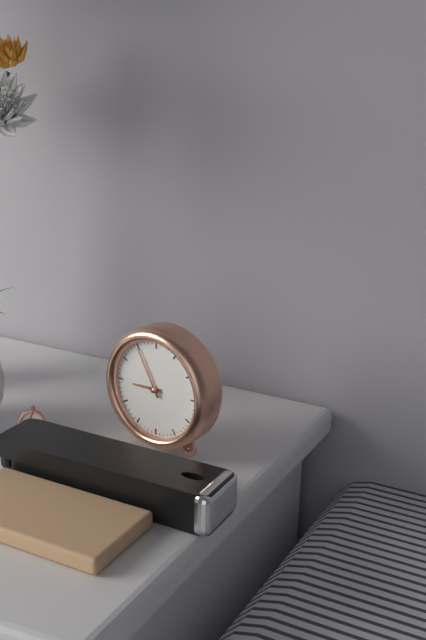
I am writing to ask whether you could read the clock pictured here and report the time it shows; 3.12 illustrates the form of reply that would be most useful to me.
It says 8.55
